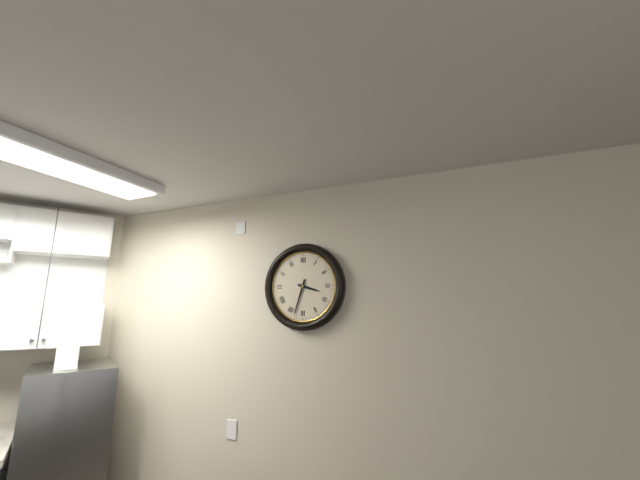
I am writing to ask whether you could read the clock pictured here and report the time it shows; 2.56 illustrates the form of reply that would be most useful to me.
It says 3.33
